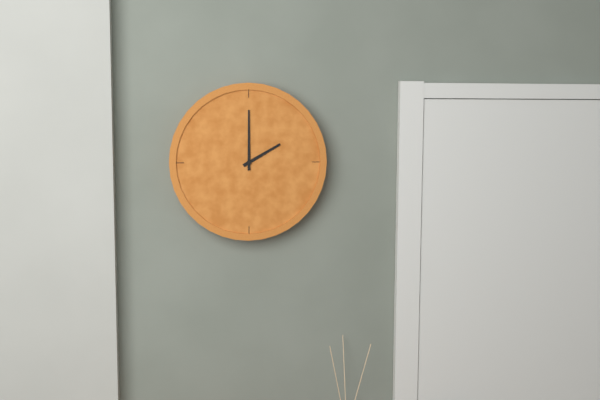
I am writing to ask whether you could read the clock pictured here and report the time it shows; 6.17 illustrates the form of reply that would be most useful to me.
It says 2.00
